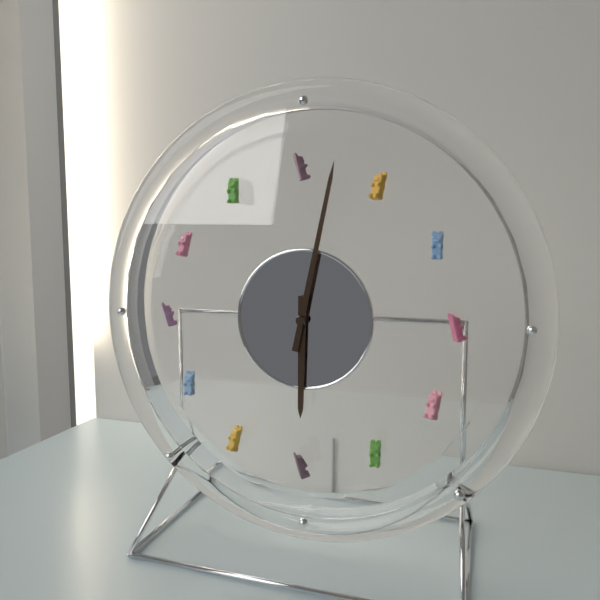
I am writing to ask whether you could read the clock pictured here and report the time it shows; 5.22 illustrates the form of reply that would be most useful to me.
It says 6.02
